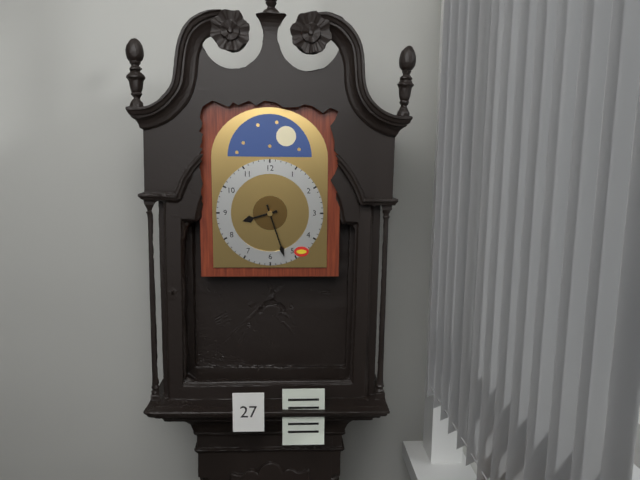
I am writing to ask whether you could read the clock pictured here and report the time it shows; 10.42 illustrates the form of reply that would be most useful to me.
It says 8.27
